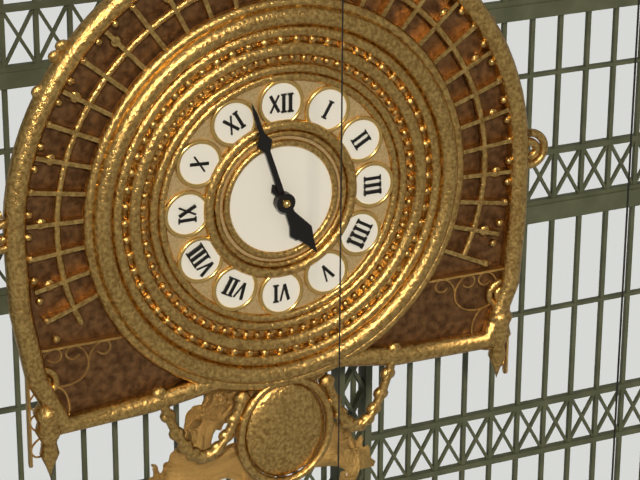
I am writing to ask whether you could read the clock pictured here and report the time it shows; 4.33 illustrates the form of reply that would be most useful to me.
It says 4.57
